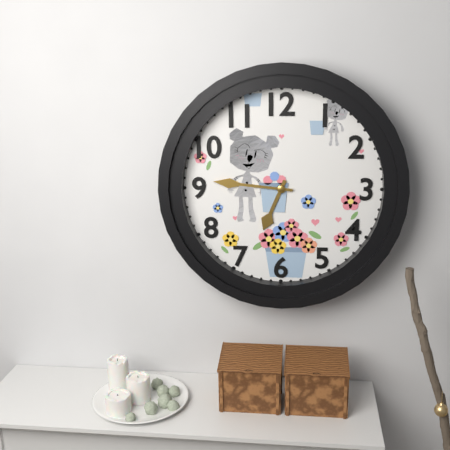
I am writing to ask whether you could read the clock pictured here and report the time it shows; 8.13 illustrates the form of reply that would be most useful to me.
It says 6.46
